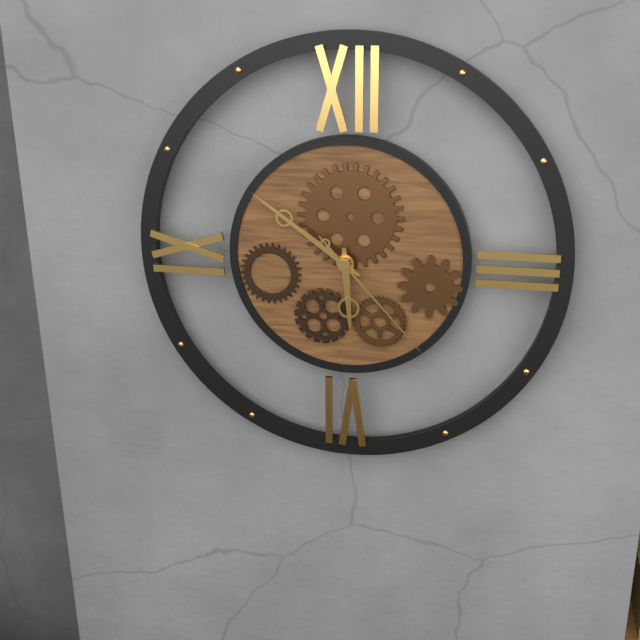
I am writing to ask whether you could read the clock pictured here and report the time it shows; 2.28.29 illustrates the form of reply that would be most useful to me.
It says 5.51.23
